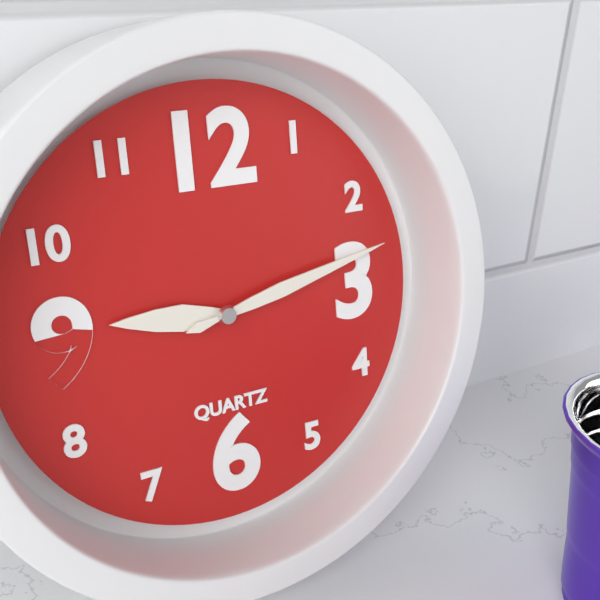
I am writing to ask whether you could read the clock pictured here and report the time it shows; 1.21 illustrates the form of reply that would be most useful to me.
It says 9.13
